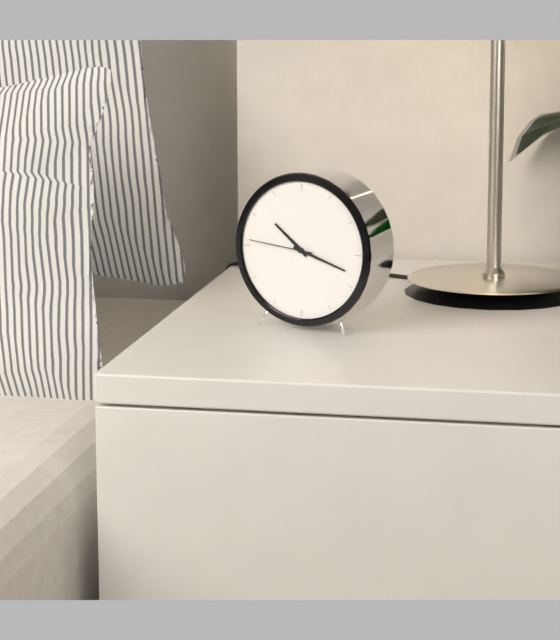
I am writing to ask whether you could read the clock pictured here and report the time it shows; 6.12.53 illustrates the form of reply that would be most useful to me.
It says 10.18.46
